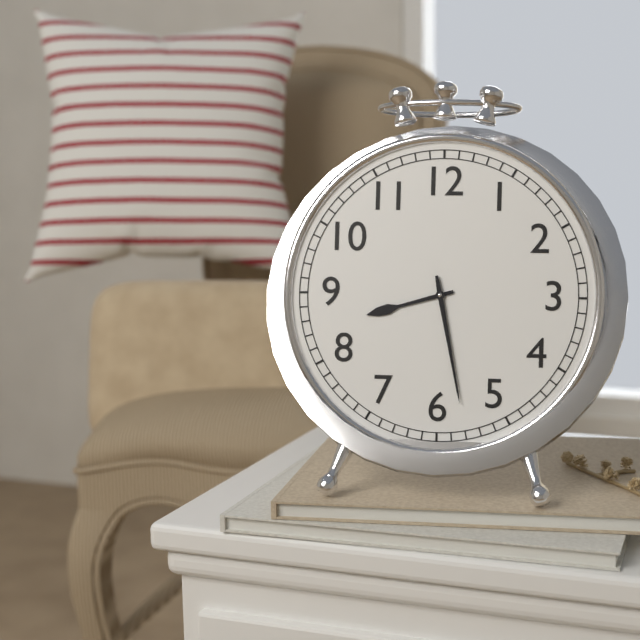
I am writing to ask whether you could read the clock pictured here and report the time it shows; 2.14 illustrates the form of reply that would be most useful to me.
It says 8.28
